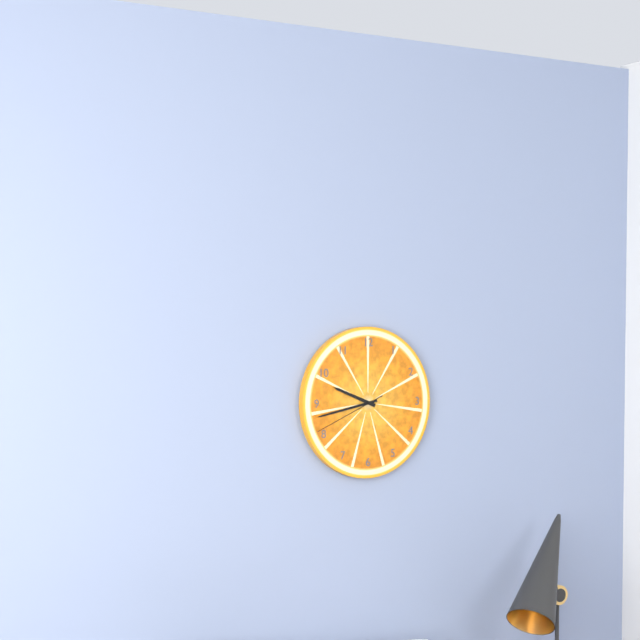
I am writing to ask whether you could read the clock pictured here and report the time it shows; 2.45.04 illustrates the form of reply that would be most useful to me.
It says 9.43.41
